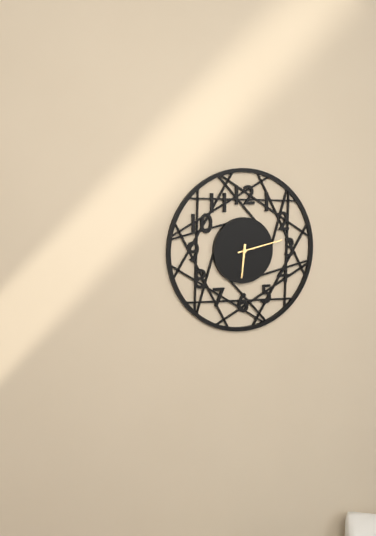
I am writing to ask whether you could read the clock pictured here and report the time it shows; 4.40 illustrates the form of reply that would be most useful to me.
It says 6.13
